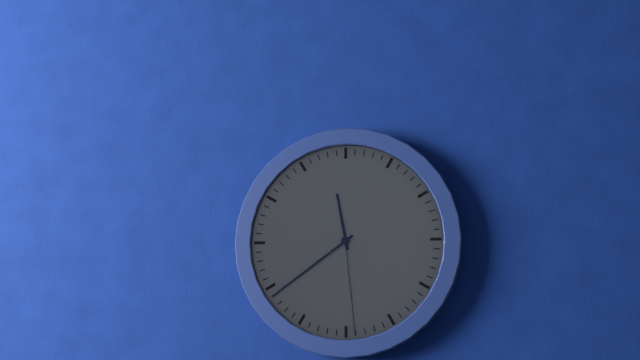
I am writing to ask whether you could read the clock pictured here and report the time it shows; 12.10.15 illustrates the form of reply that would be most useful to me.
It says 11.39.29
